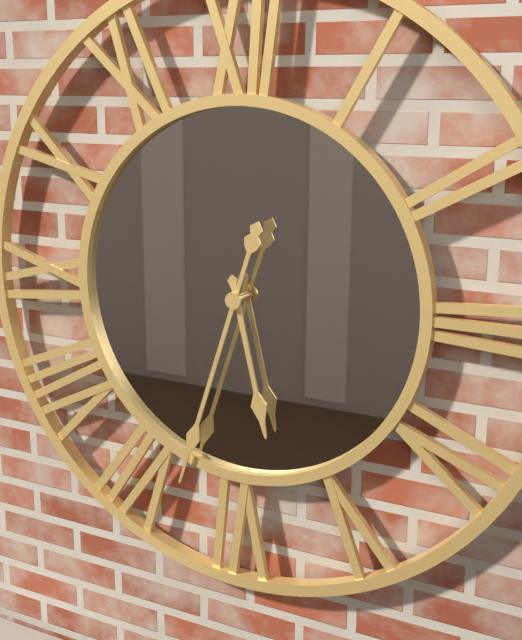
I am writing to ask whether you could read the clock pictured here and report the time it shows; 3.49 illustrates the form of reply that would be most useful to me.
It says 5.33
